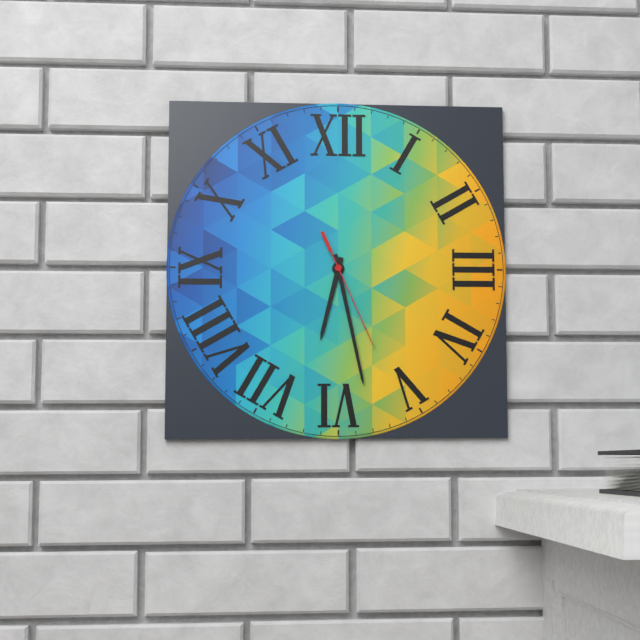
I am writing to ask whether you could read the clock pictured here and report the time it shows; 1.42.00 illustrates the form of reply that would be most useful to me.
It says 6.28.26
